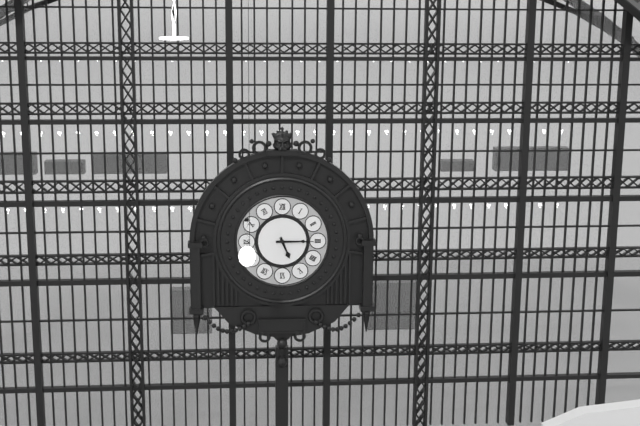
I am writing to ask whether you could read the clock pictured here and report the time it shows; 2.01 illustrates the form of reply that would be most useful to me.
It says 5.15
